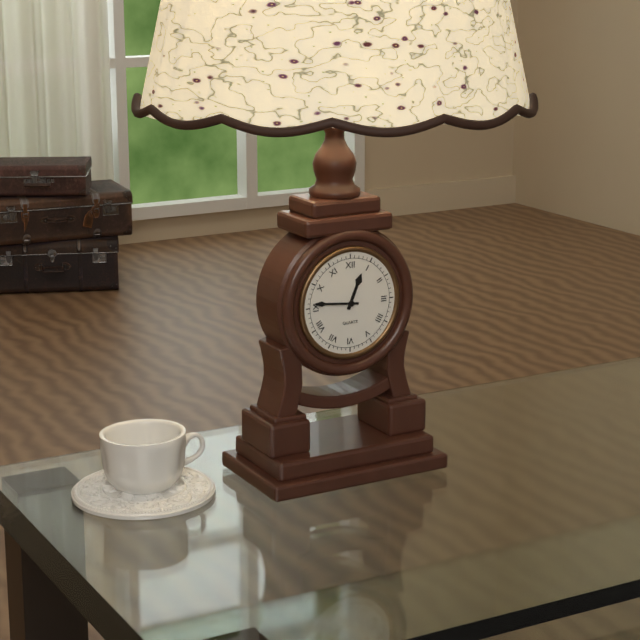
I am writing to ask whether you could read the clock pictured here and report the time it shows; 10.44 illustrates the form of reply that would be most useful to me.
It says 12.46
